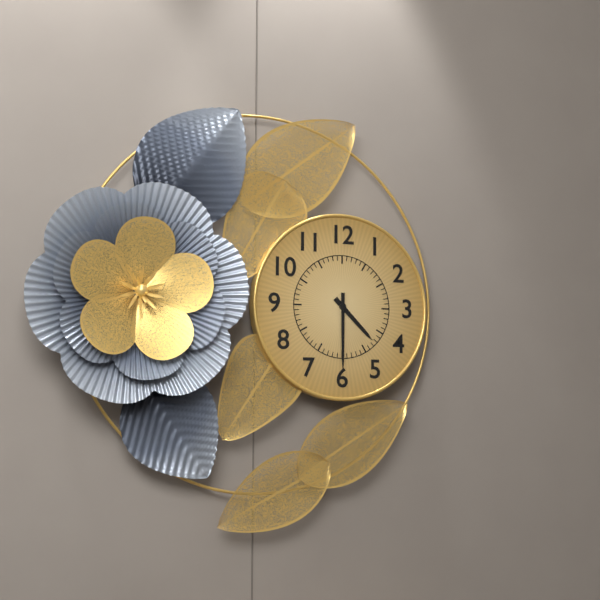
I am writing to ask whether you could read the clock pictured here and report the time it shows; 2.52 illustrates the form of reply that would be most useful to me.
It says 4.30
